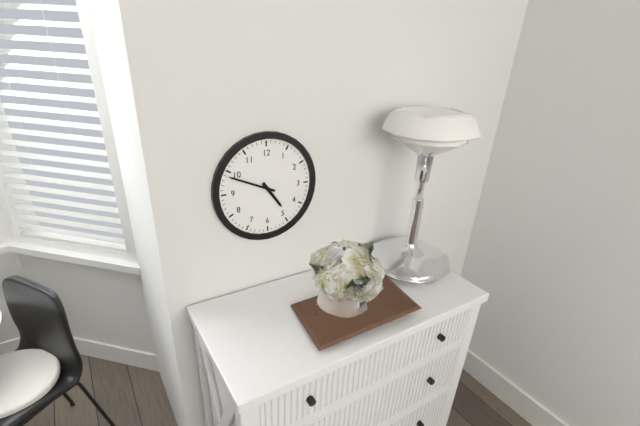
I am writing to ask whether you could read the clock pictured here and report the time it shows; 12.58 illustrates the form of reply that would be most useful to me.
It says 4.49
